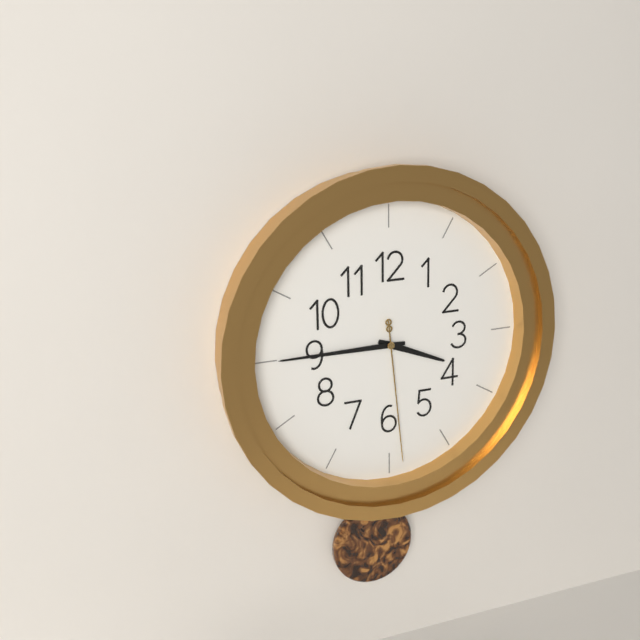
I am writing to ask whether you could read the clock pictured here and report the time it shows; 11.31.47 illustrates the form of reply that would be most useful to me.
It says 3.45.29
